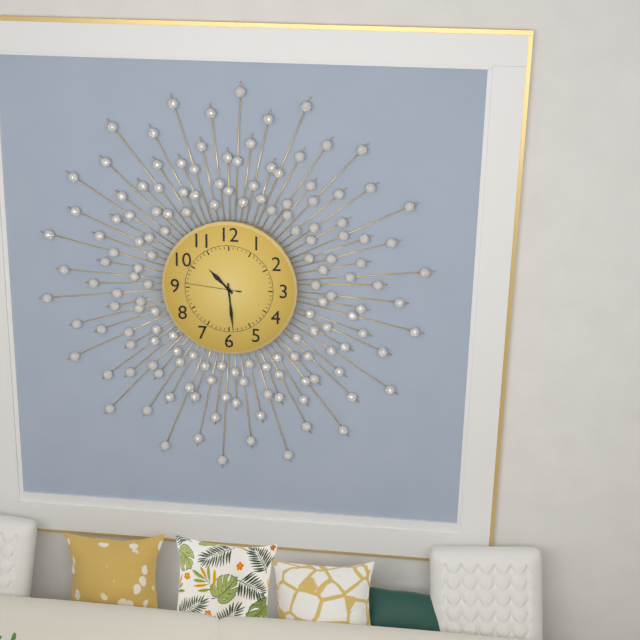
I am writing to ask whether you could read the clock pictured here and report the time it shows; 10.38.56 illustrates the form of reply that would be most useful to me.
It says 10.29.46
